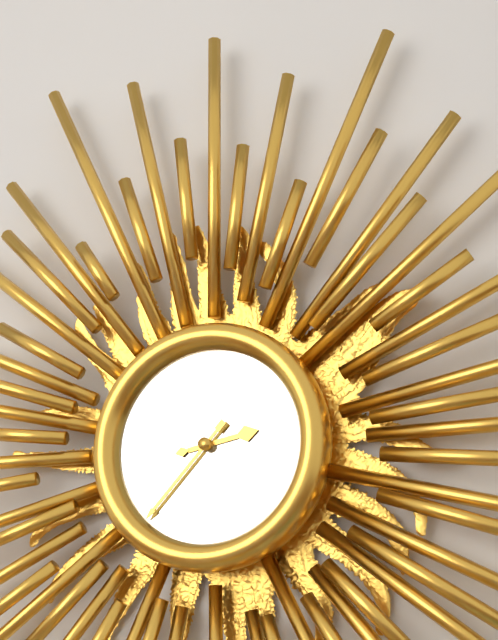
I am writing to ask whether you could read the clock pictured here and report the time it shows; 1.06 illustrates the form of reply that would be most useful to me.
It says 2.37
